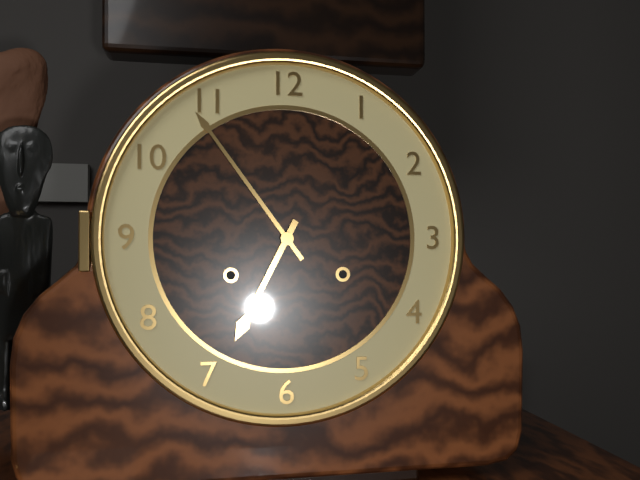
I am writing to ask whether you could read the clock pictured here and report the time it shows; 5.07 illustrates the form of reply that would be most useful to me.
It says 6.54
